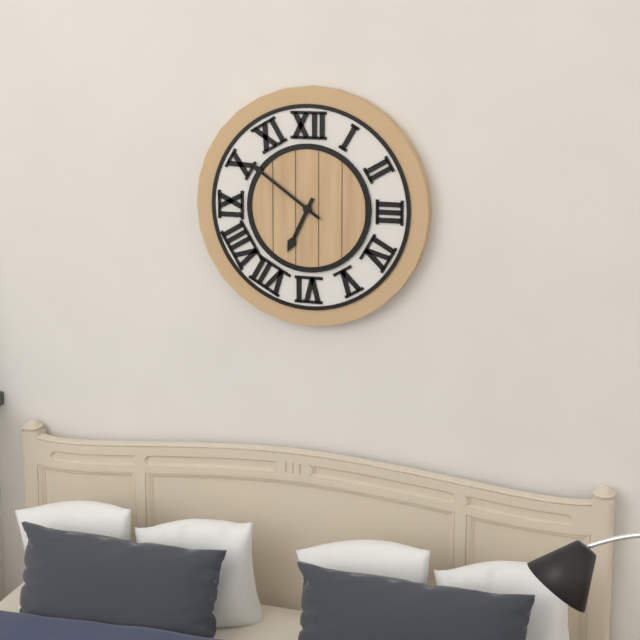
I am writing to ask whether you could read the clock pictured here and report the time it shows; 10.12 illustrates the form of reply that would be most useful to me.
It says 6.51
